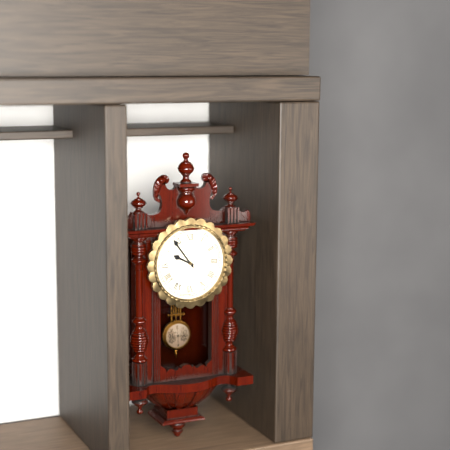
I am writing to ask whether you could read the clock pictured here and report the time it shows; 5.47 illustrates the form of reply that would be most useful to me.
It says 9.54
